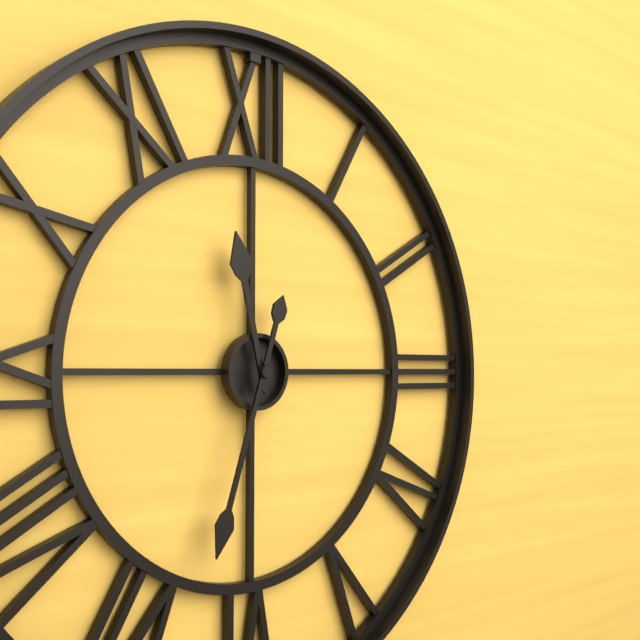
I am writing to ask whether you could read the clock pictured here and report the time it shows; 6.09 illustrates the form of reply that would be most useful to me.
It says 11.33
